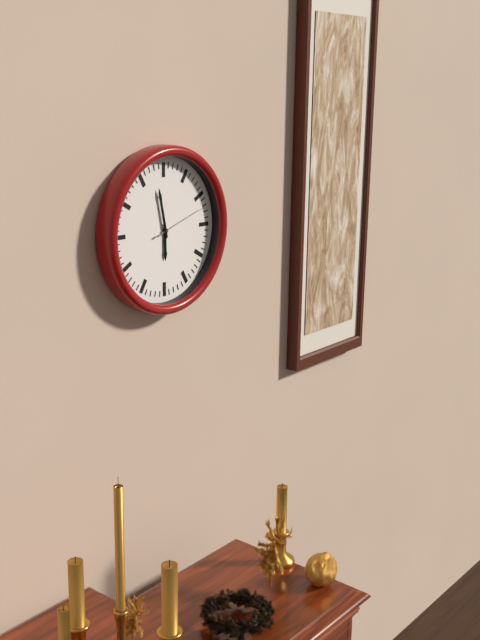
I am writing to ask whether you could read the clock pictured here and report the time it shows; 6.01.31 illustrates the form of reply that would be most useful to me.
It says 5.58.12
